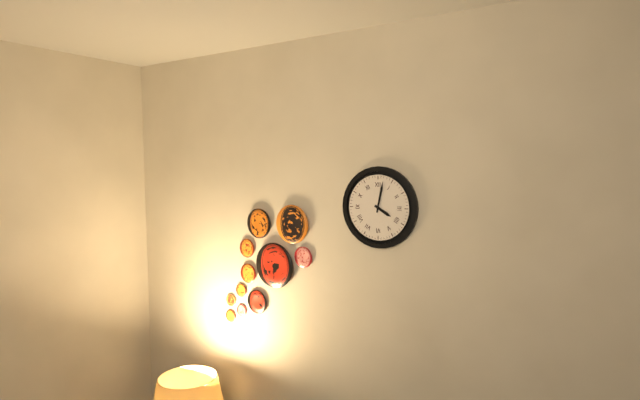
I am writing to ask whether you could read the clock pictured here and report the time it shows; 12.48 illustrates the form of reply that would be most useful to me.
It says 4.02
